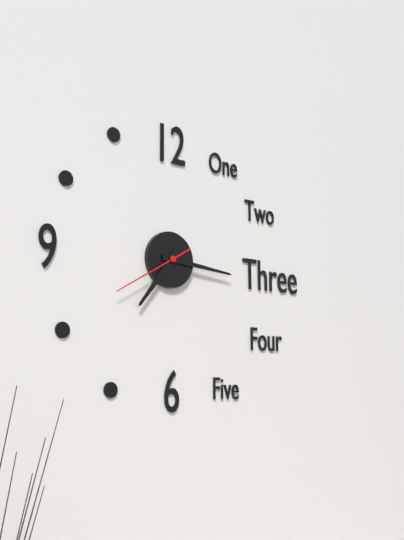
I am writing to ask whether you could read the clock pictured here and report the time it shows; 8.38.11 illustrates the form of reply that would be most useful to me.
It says 7.16.40
